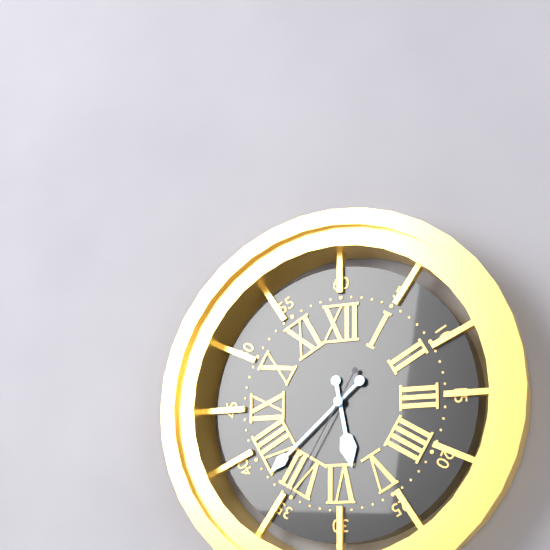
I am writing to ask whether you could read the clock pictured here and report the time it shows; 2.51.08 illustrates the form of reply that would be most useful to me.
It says 5.38.35
